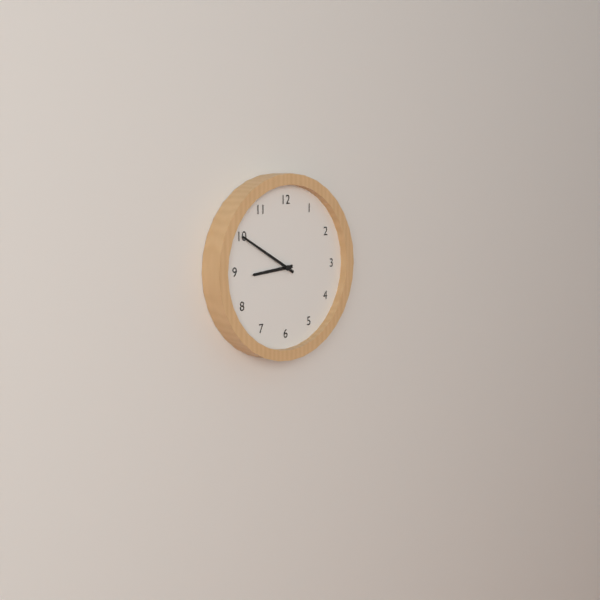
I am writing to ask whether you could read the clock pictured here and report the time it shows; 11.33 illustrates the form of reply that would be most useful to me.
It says 8.50
